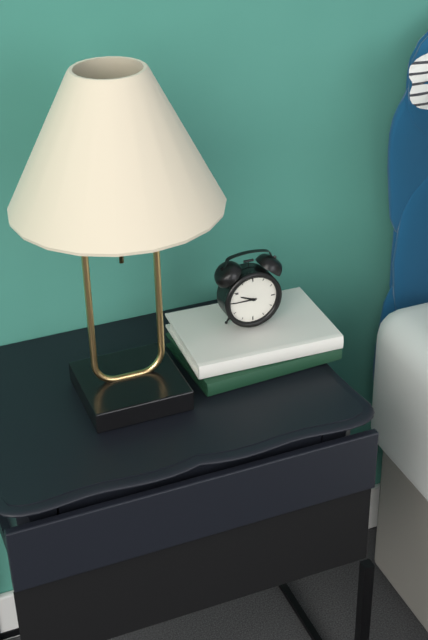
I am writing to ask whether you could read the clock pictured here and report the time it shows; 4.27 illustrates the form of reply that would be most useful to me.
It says 9.45
